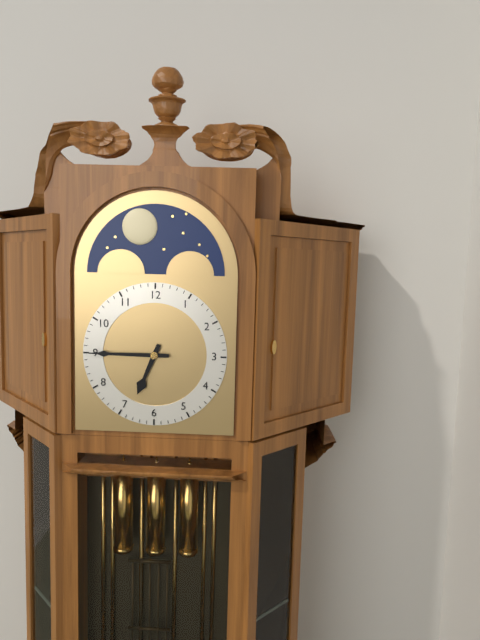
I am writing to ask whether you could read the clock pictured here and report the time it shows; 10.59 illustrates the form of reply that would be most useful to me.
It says 6.45
